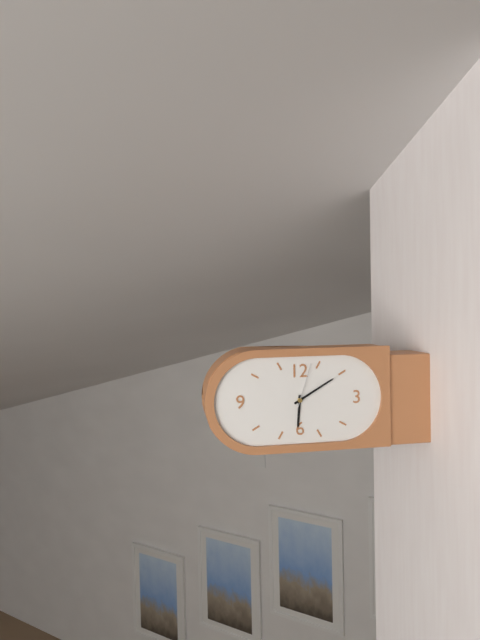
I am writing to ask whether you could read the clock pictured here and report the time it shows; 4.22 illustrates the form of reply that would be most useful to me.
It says 6.10
